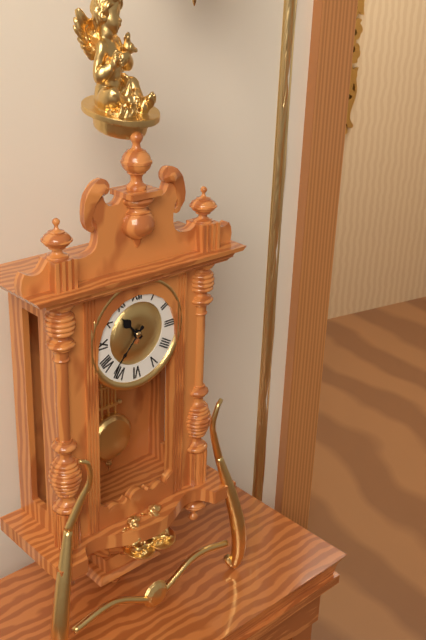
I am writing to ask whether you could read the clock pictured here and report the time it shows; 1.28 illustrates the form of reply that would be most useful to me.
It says 10.37
